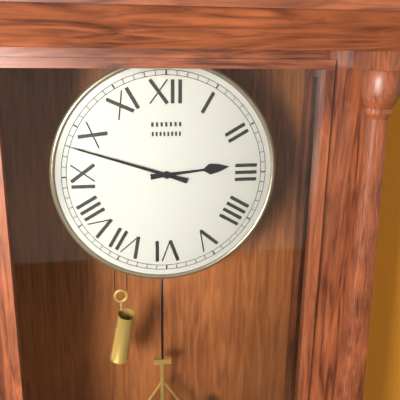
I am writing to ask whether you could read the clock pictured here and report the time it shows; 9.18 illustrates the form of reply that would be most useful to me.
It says 2.48
